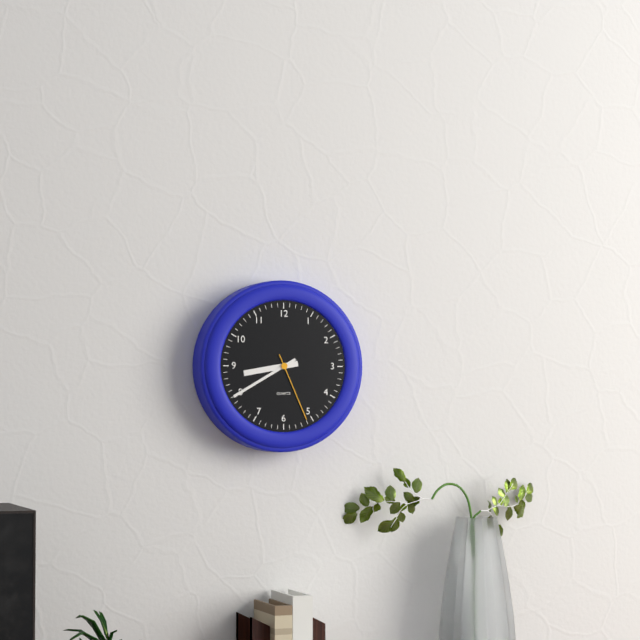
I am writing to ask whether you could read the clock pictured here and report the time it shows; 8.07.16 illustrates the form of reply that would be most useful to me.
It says 8.40.26
